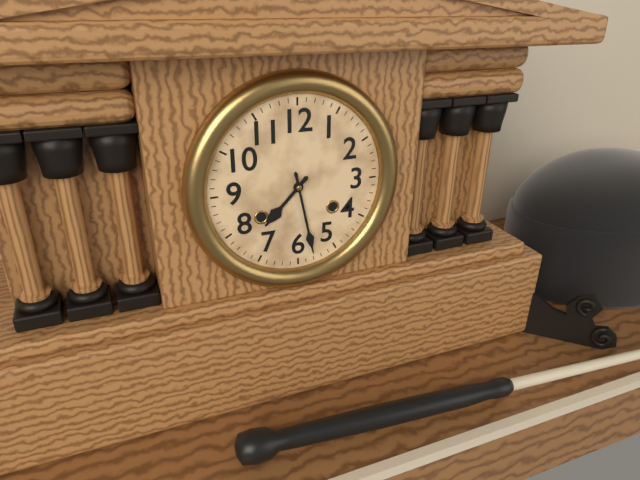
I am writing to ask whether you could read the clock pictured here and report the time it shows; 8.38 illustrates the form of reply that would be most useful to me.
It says 7.28
